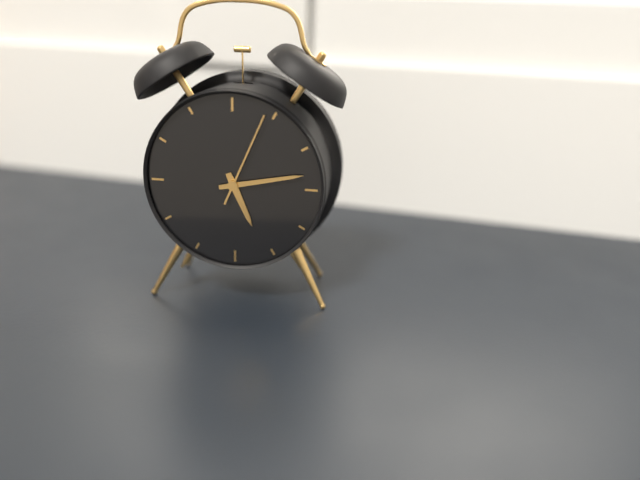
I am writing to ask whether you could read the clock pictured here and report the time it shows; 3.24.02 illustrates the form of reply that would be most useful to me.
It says 5.13.04
